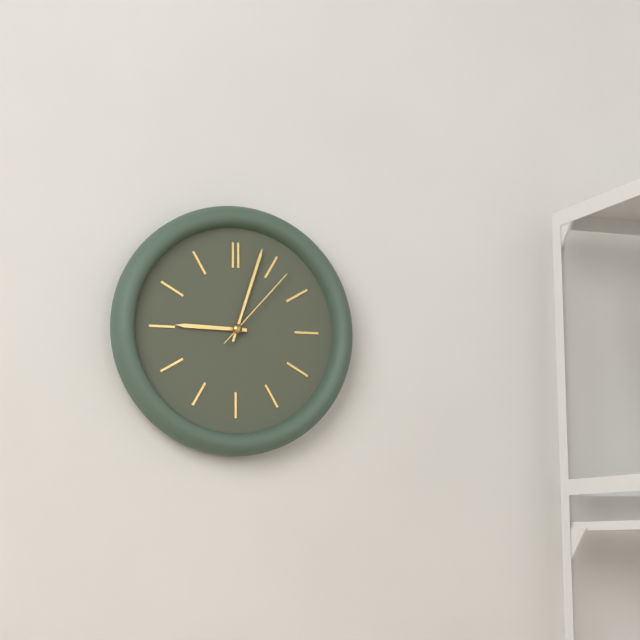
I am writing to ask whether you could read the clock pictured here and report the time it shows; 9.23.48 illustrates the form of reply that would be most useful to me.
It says 9.03.07
